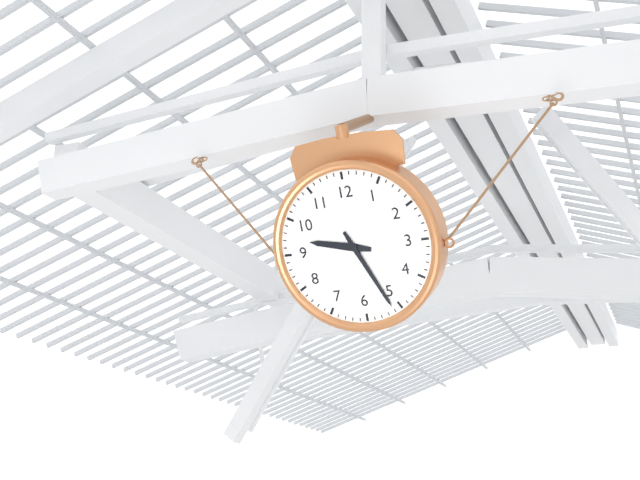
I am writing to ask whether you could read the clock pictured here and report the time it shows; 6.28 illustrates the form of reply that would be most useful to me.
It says 9.26
